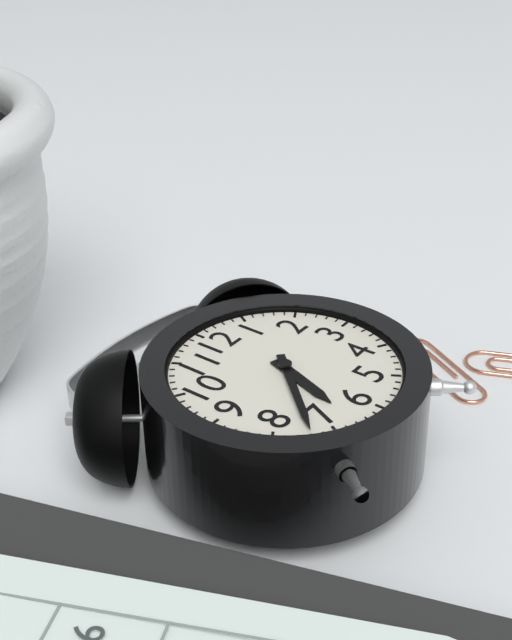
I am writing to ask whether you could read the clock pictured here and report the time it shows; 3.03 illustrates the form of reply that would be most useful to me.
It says 6.37
